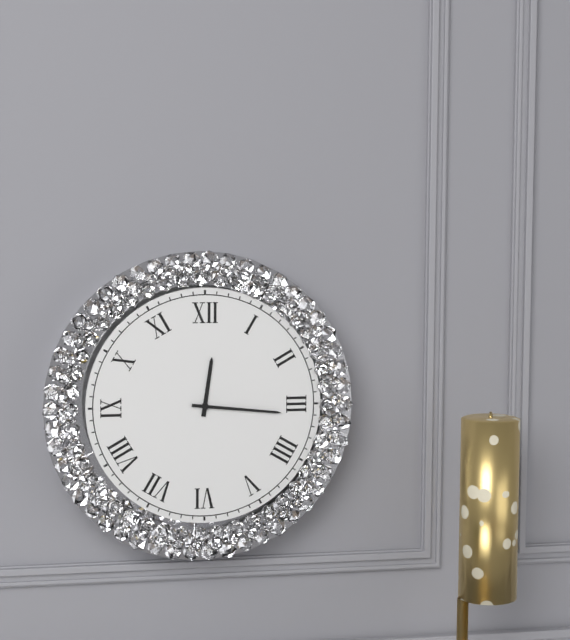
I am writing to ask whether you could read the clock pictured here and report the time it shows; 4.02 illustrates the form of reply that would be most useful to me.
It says 12.16
